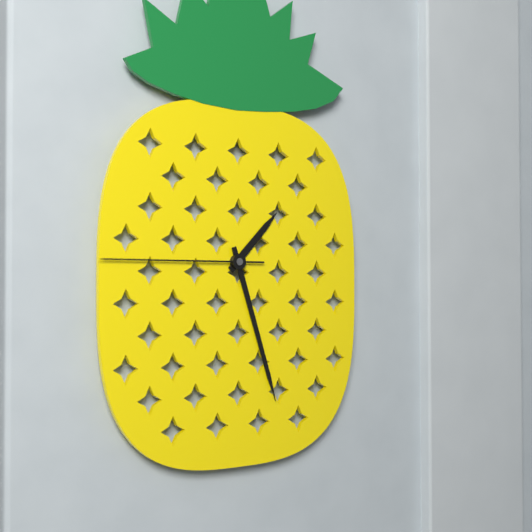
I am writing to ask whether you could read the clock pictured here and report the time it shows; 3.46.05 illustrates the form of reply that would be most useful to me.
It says 1.27.45
